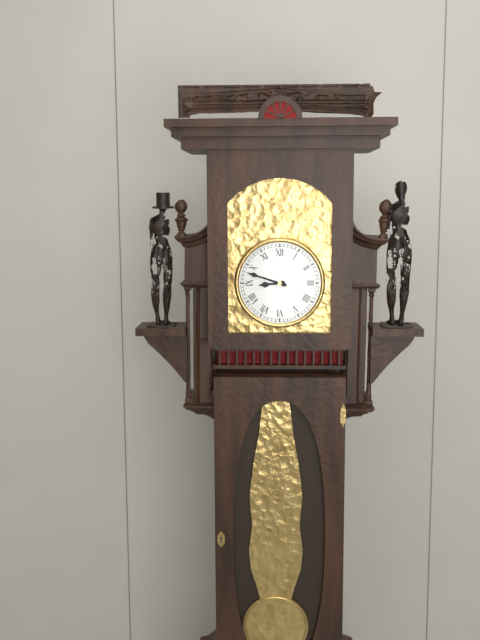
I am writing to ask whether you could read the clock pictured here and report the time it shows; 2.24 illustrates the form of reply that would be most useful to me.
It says 8.48
